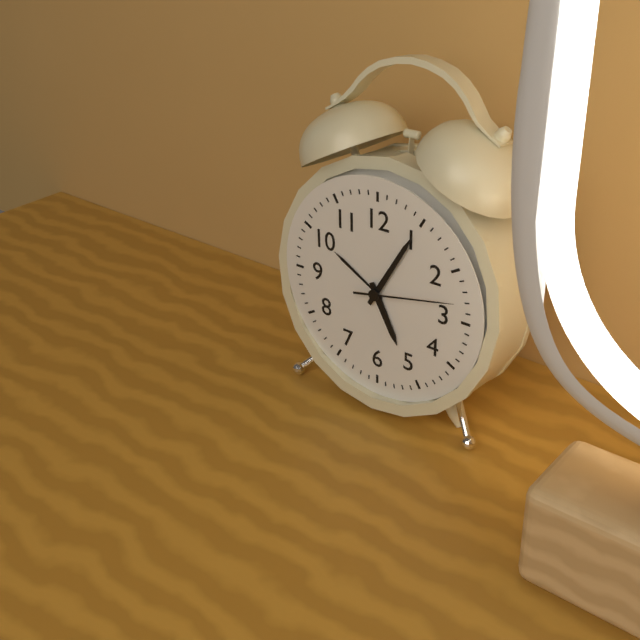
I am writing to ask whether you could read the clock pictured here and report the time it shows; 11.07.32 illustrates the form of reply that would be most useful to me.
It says 5.05.13
